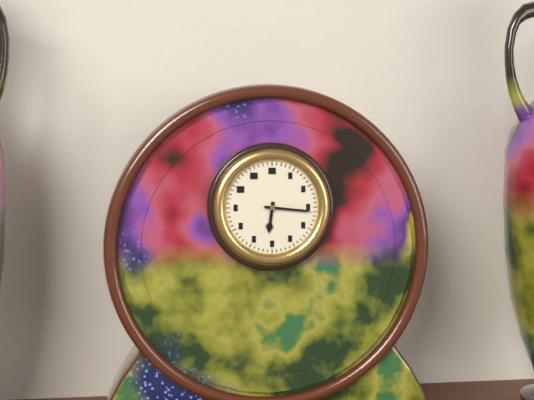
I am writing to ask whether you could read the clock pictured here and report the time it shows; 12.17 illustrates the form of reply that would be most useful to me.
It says 6.16
